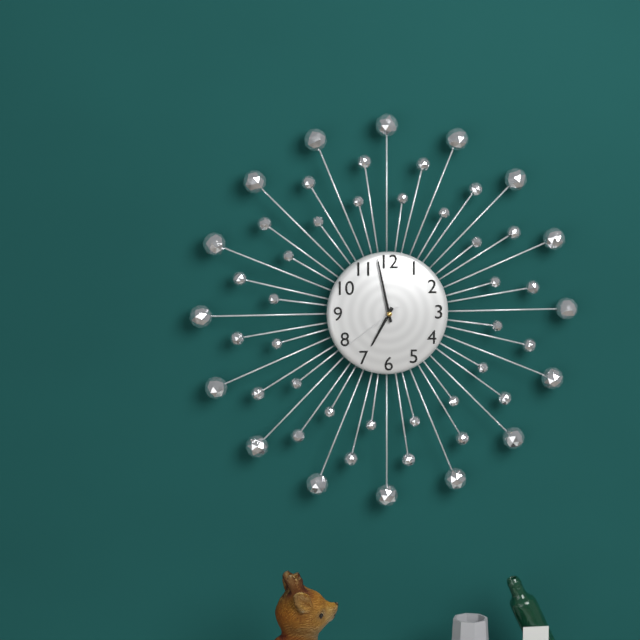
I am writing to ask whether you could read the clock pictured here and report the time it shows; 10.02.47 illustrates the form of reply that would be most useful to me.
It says 6.58.39
